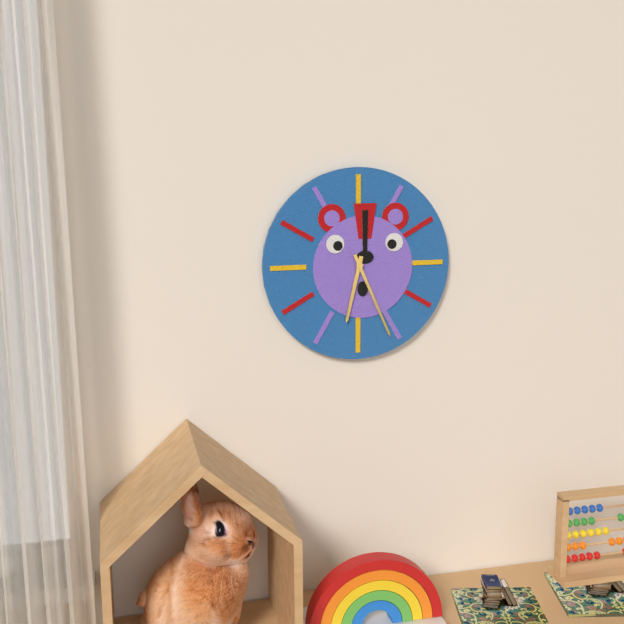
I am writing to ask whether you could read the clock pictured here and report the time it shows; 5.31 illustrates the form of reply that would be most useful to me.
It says 6.26
